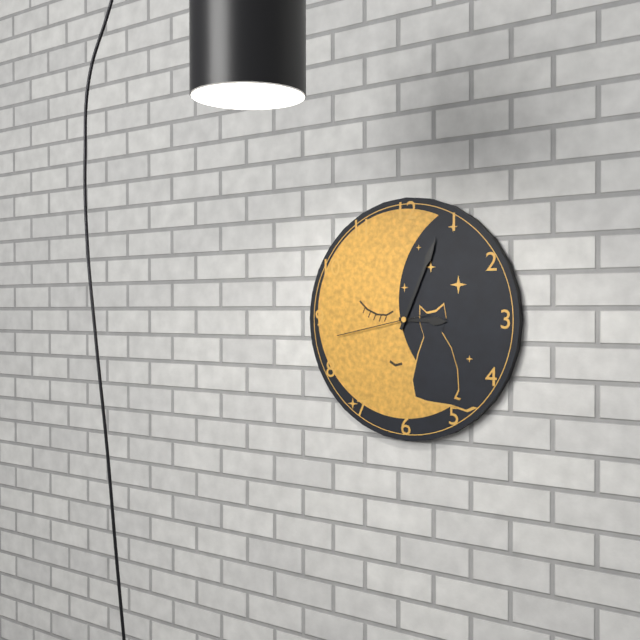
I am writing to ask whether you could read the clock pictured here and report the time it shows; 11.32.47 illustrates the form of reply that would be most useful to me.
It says 3.04.43
